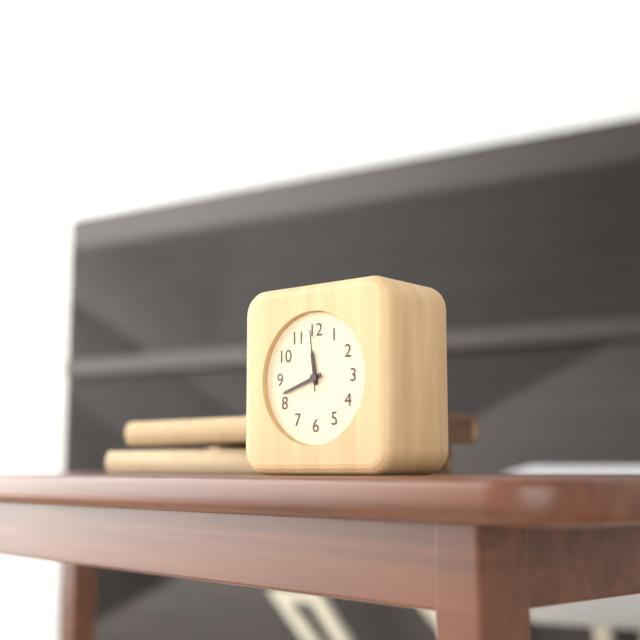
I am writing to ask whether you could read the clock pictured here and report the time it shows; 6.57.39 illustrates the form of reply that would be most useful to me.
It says 11.42.59
